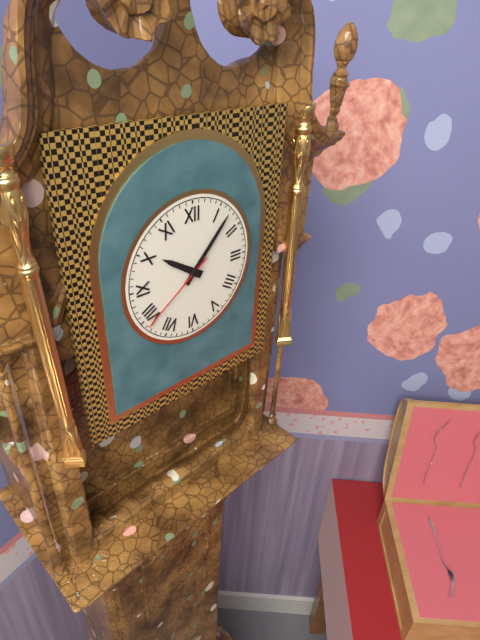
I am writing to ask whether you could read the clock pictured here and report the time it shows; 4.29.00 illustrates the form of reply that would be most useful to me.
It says 10.07.39
